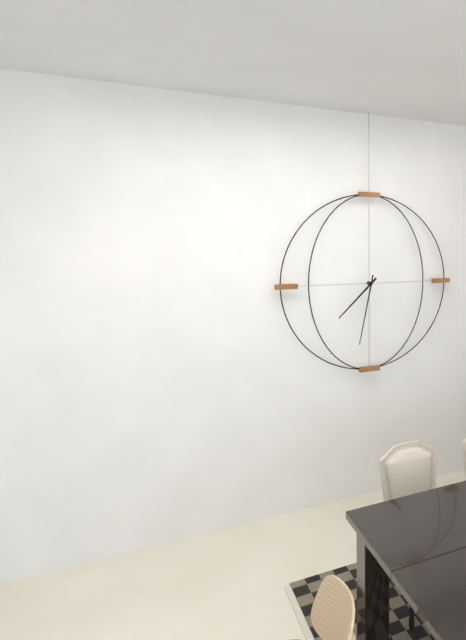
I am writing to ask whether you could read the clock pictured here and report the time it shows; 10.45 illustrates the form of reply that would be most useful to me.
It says 7.32
